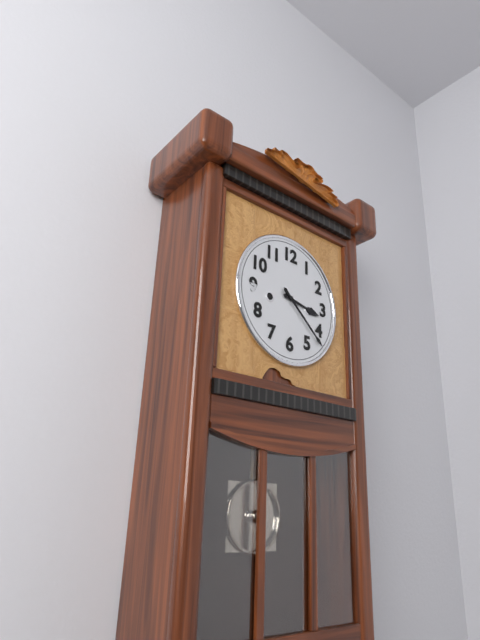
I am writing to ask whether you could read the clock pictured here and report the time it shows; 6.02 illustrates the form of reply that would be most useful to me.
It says 3.22
